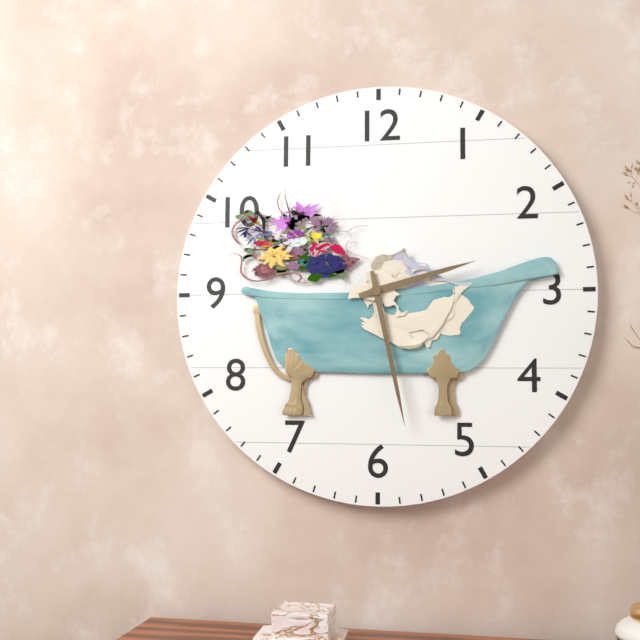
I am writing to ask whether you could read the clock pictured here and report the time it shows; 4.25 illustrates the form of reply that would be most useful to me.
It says 2.28
